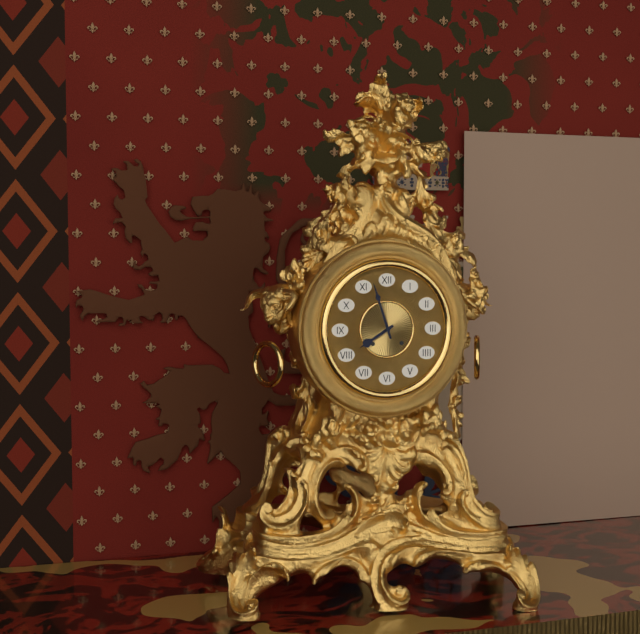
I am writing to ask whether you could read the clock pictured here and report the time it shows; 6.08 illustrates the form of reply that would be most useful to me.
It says 7.57
